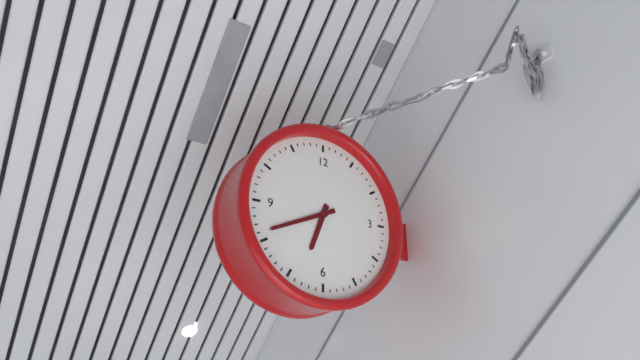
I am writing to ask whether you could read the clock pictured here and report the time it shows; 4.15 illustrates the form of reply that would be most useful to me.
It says 6.41
